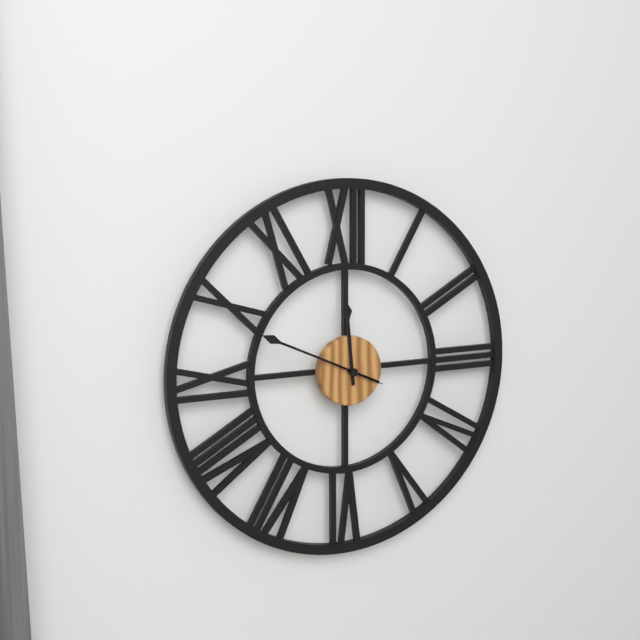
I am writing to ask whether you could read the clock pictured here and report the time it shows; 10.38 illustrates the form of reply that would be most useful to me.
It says 11.49
